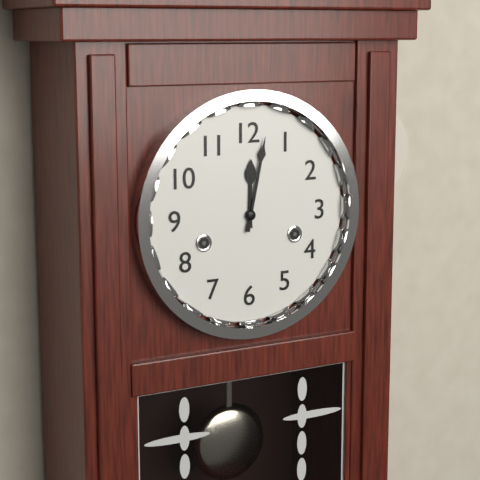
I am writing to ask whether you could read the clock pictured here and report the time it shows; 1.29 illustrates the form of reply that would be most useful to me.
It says 12.02
